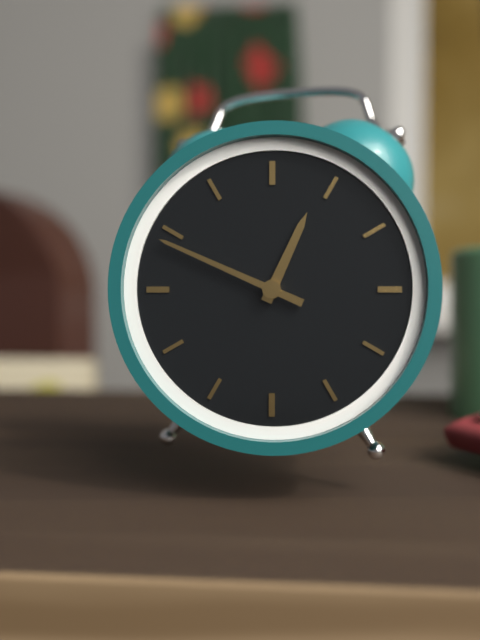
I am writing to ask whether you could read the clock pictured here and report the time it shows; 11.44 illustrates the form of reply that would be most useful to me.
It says 12.49
